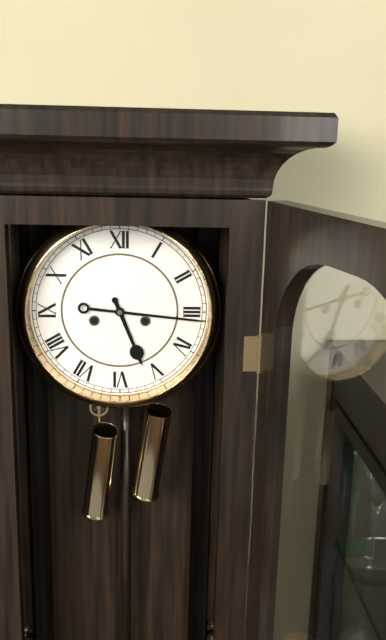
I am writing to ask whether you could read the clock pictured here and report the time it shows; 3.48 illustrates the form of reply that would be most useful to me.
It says 5.16
